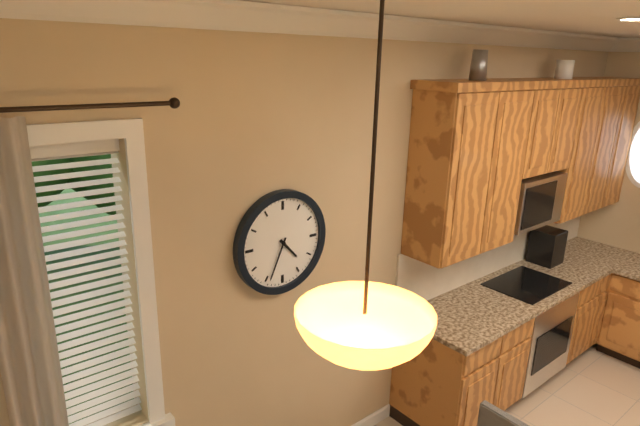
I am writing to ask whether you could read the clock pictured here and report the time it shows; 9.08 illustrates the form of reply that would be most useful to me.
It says 4.34
